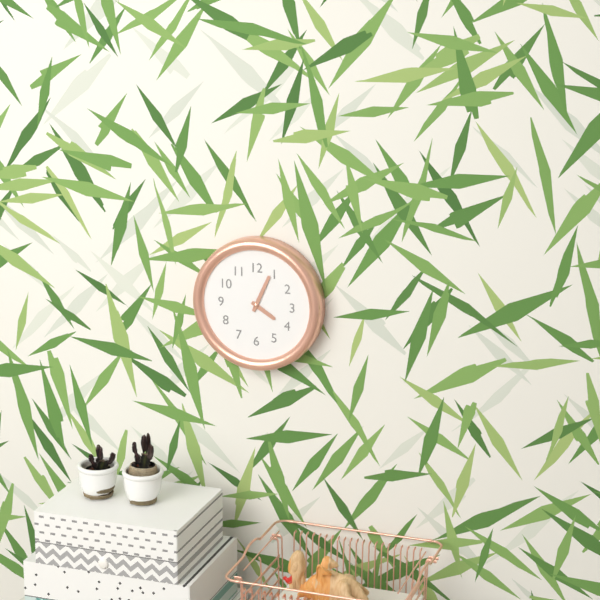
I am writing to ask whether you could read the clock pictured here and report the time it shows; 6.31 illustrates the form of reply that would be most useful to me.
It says 4.04
